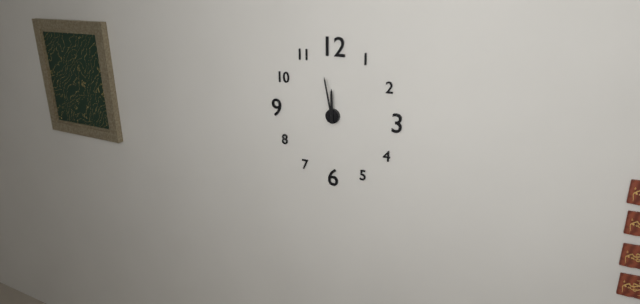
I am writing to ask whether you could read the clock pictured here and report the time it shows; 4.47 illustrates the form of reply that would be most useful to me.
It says 11.58
